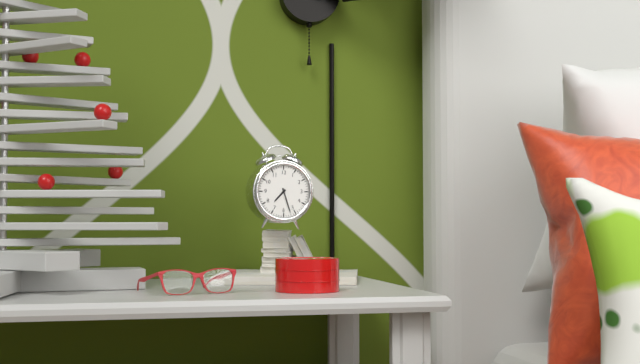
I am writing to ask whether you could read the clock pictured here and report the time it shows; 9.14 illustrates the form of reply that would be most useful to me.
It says 7.27
